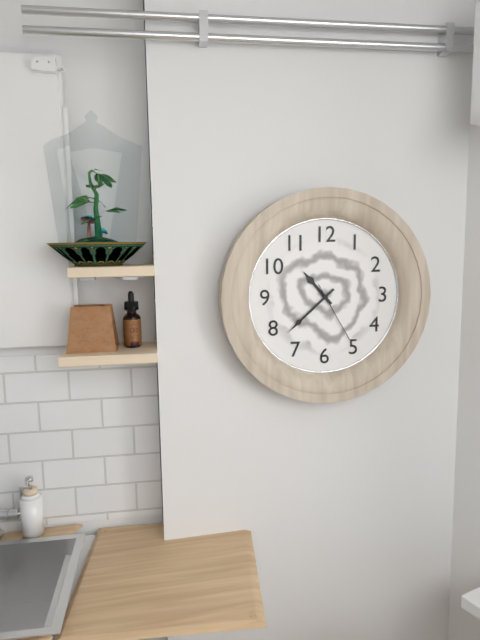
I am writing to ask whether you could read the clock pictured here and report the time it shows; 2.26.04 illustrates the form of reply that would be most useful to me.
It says 10.38.25
